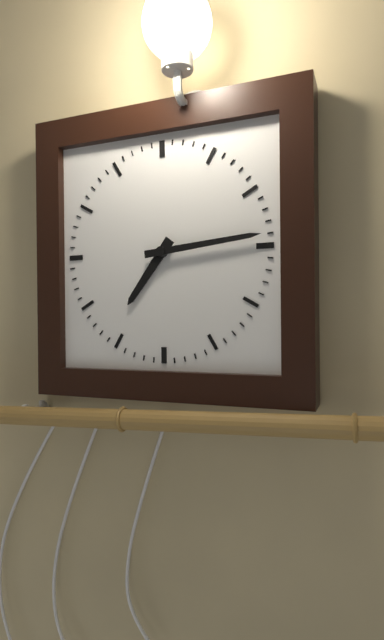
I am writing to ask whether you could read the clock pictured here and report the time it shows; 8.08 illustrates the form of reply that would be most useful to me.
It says 7.14
